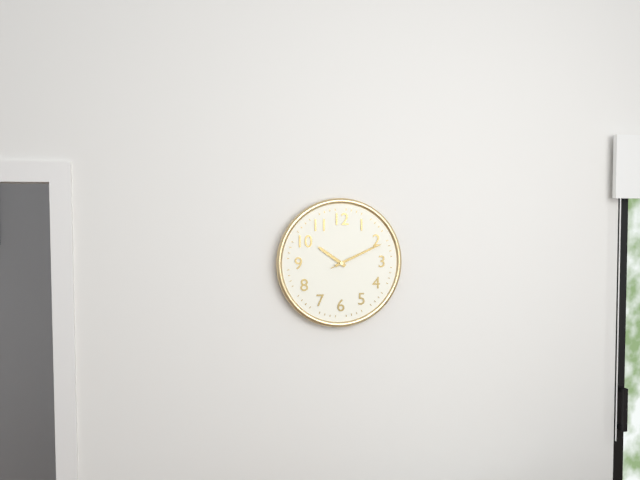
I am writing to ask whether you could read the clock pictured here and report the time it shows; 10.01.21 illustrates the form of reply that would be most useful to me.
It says 10.11.11
